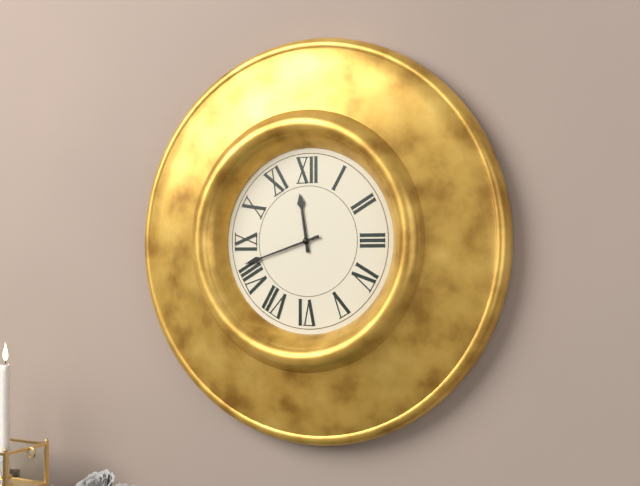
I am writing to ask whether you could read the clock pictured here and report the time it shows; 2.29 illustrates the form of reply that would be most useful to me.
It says 11.42
